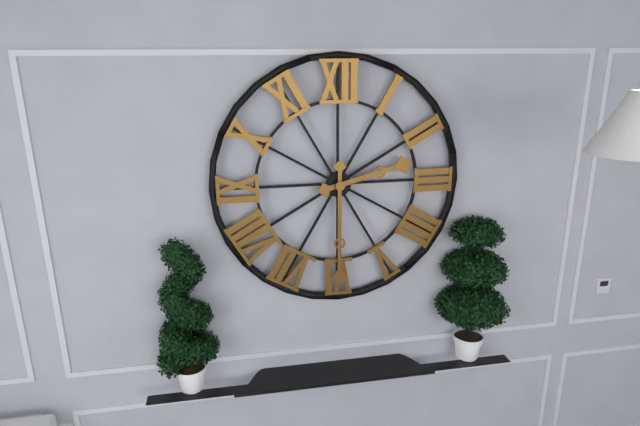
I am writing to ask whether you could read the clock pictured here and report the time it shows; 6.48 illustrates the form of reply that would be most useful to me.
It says 2.30
